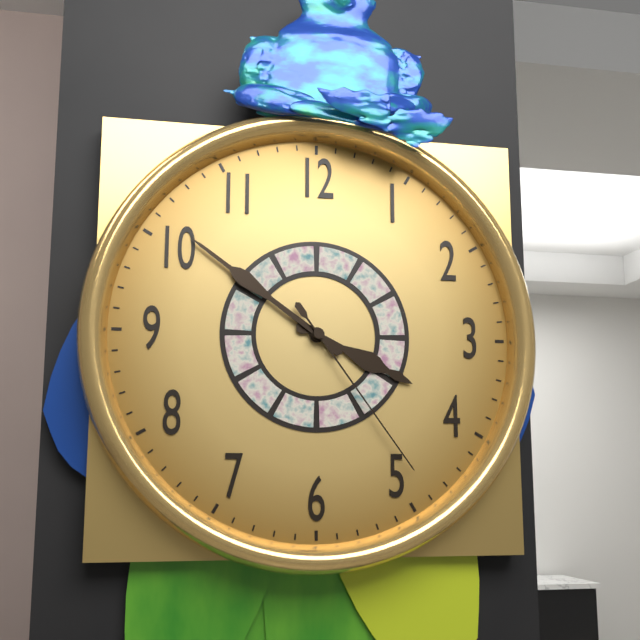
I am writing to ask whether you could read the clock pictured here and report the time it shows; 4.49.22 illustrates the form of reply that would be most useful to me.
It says 3.51.24
